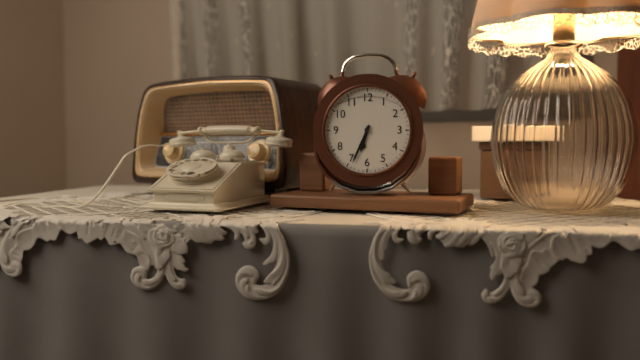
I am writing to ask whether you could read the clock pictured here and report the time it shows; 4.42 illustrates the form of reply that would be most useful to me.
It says 6.34
